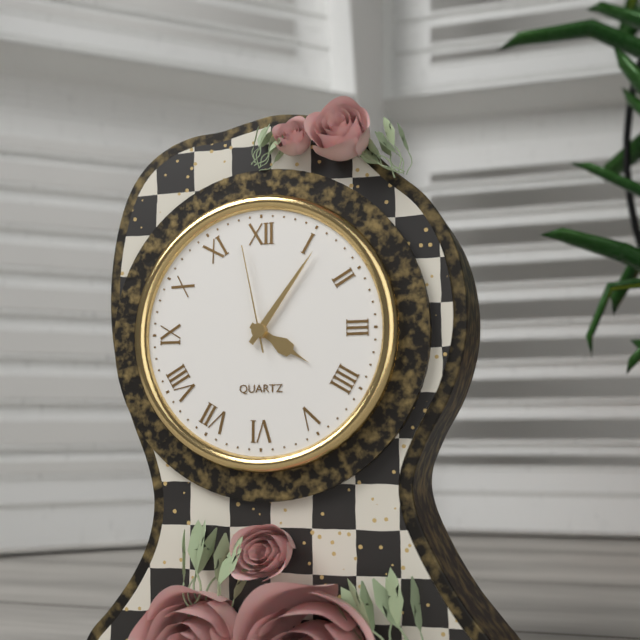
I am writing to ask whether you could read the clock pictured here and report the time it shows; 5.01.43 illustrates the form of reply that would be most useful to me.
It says 4.06.58
